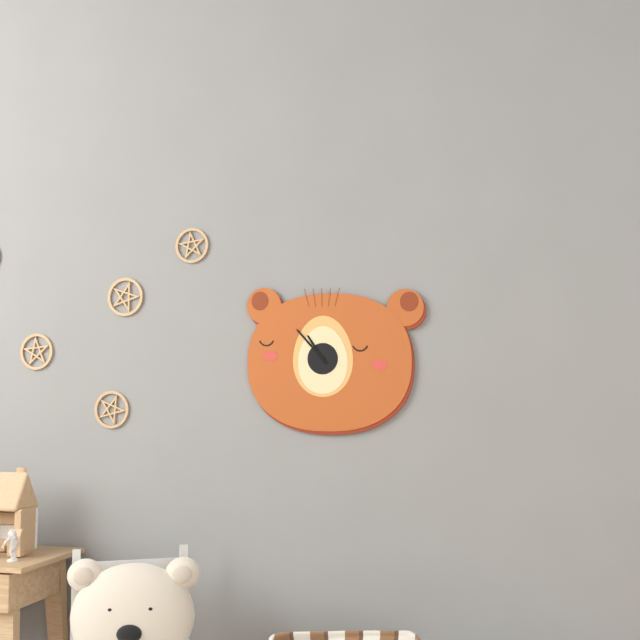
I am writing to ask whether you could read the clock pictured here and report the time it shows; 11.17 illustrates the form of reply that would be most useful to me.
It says 10.53
